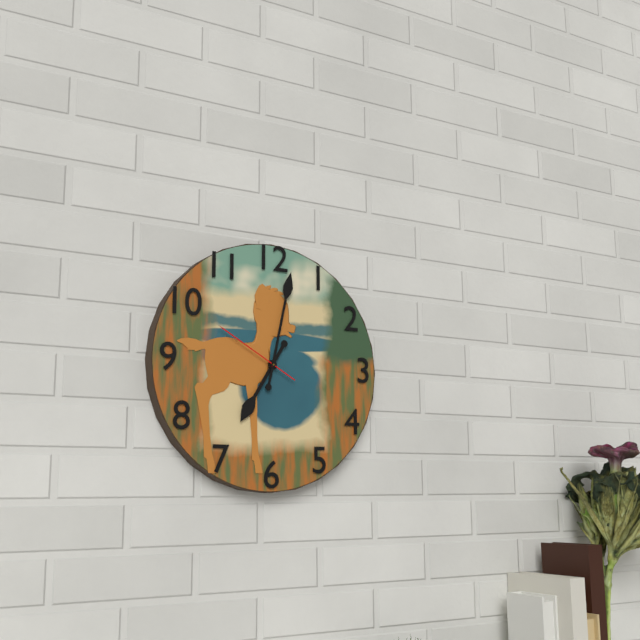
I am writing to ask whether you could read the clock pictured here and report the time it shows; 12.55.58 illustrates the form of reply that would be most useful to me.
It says 7.02.50
